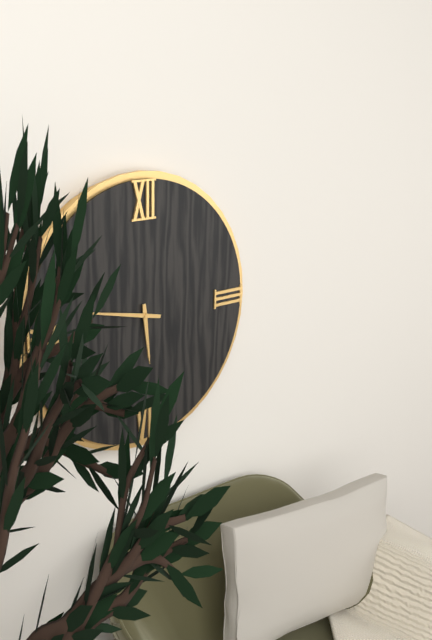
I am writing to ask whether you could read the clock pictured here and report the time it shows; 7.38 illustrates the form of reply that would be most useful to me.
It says 5.47
